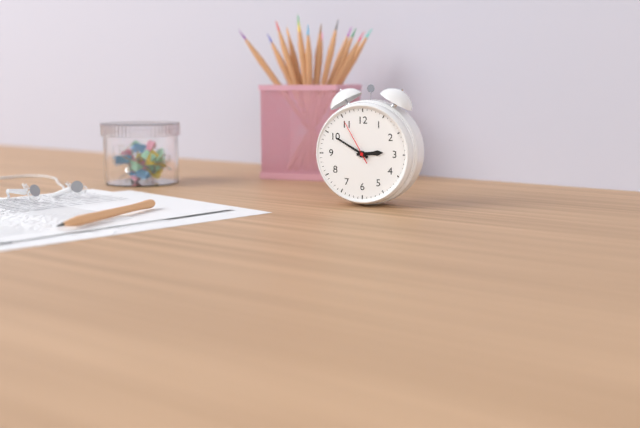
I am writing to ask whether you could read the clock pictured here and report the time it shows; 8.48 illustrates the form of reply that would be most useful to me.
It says 2.50
